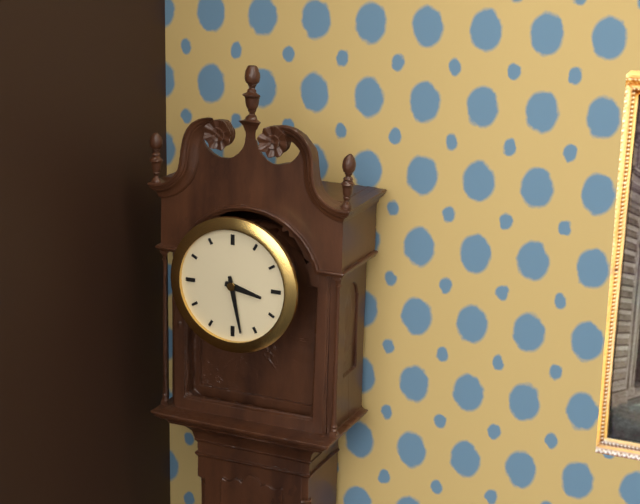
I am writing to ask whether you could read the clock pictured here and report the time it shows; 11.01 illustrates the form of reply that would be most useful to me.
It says 3.28
